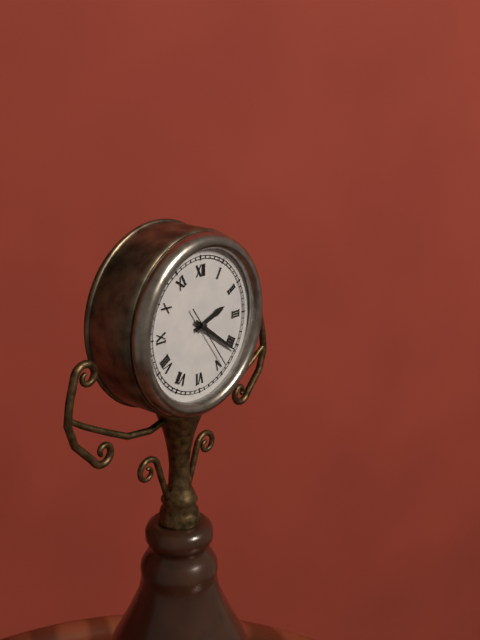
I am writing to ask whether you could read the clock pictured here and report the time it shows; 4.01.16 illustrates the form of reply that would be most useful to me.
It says 2.21.24
